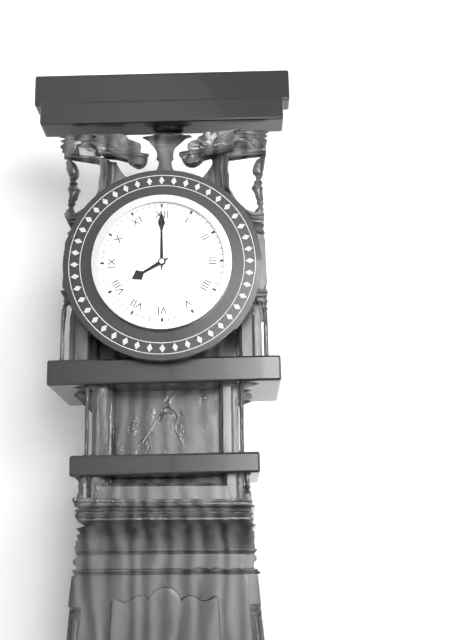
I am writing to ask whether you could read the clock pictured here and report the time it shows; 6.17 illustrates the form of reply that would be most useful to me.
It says 8.00
